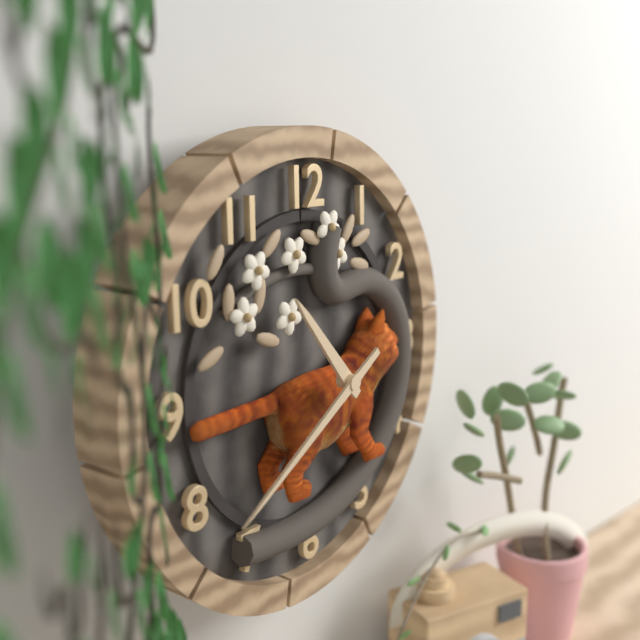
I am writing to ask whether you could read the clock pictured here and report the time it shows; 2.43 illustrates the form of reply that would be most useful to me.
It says 10.40
